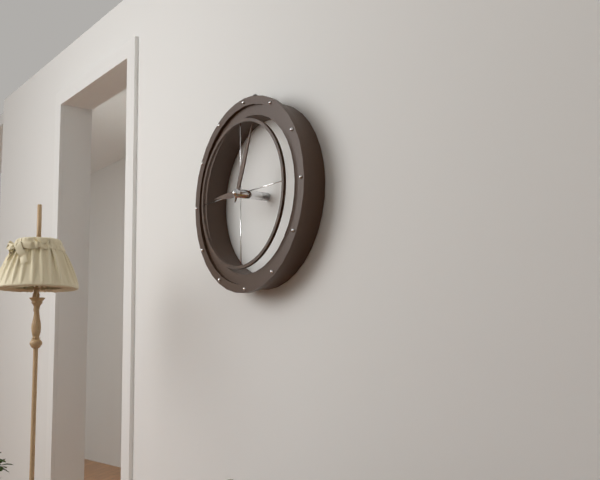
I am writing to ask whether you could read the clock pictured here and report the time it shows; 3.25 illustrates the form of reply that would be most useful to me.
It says 9.04
